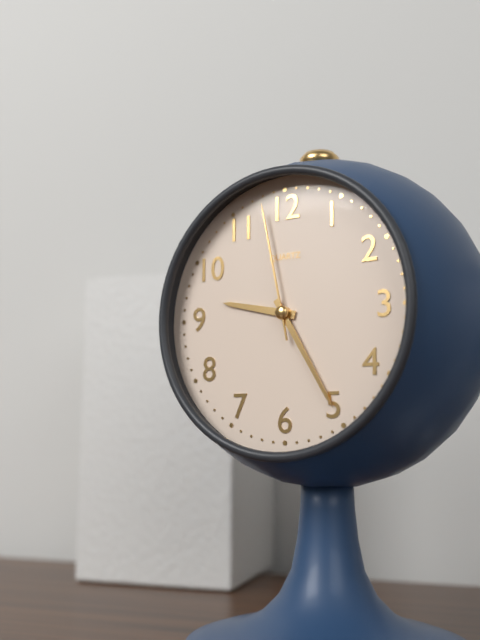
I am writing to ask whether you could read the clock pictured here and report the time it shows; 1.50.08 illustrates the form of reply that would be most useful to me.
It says 9.25.58
